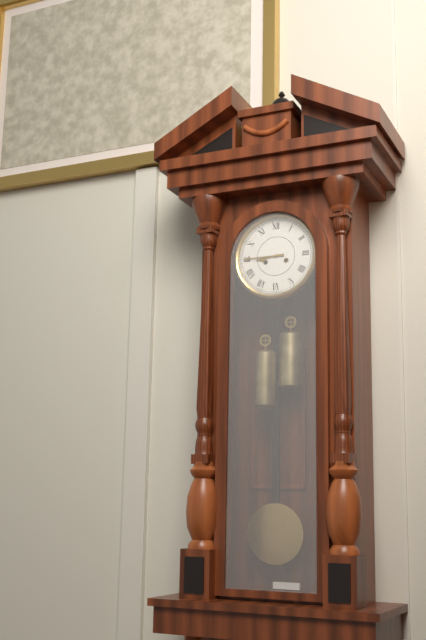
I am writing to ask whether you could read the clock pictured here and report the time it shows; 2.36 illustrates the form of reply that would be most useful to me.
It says 8.45
